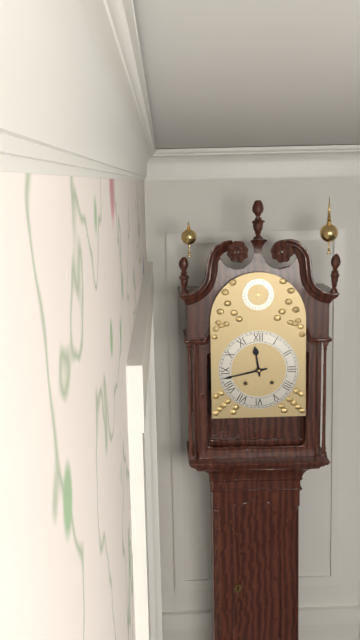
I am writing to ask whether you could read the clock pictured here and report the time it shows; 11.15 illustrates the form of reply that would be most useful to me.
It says 11.43
